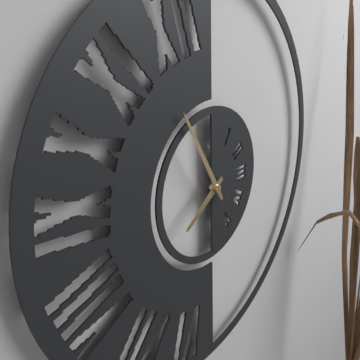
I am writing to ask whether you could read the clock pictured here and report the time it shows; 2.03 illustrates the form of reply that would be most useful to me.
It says 7.55
